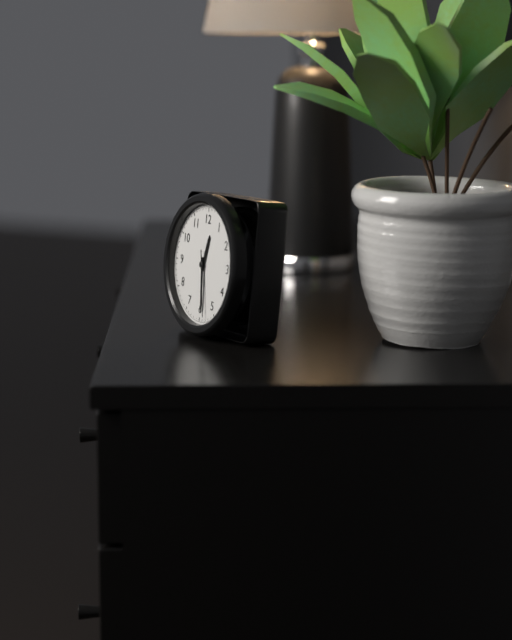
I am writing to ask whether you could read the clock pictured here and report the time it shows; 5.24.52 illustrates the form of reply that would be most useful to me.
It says 12.29.28
